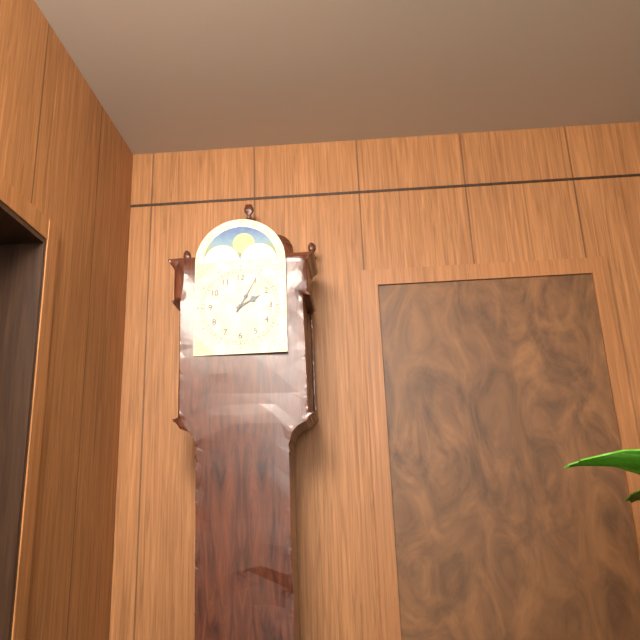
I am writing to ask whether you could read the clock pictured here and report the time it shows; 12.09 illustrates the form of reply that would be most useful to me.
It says 2.05
